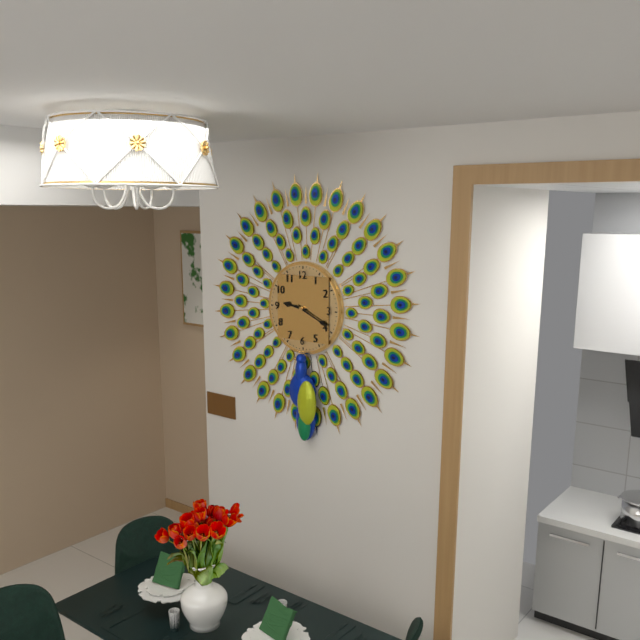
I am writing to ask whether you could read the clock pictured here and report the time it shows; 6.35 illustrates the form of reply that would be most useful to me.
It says 9.19
